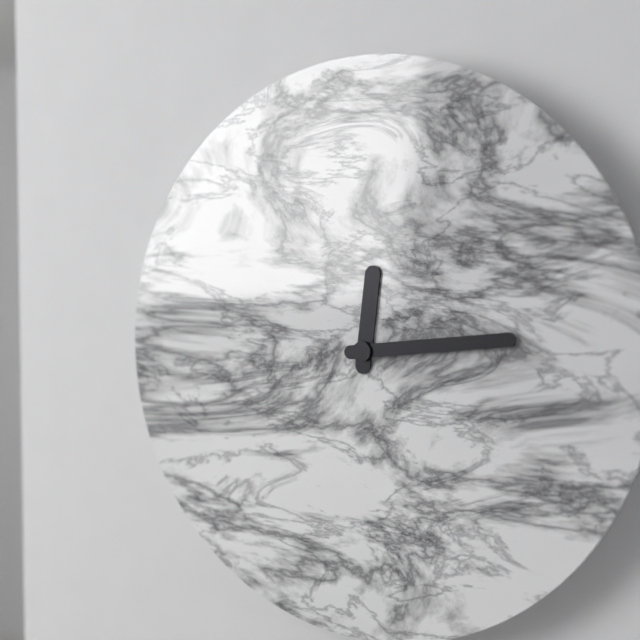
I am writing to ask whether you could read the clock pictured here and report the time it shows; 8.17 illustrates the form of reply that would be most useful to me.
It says 12.14
